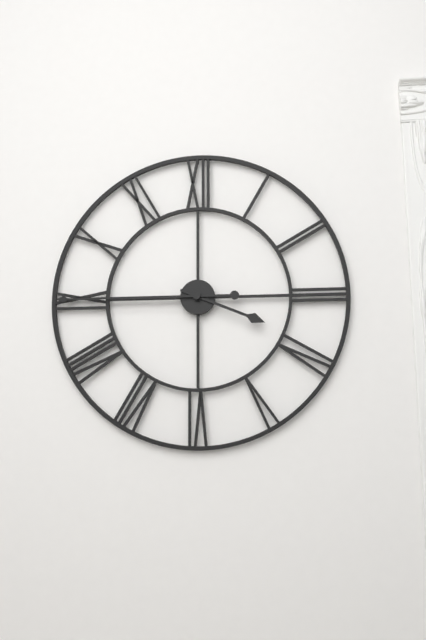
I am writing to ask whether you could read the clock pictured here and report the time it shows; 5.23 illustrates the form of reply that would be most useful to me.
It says 3.45
